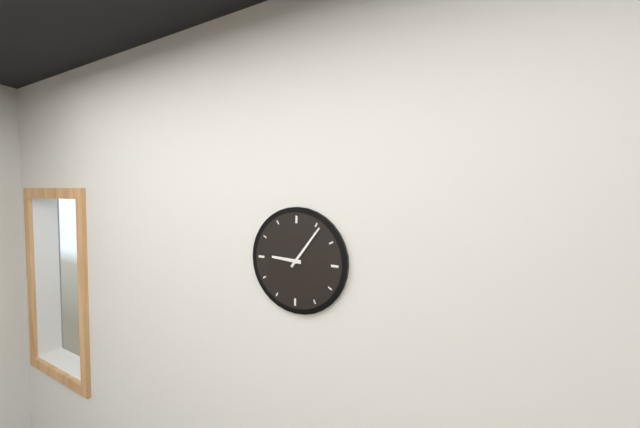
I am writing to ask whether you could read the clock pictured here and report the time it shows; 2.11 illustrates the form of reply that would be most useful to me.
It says 9.06
